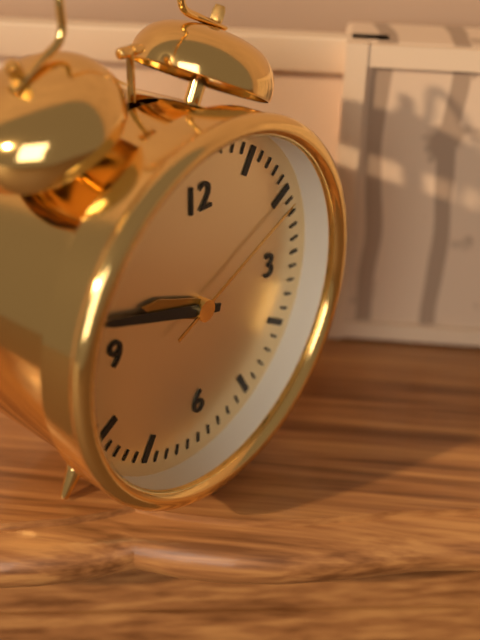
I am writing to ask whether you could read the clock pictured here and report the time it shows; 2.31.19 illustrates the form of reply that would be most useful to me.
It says 9.48.11
